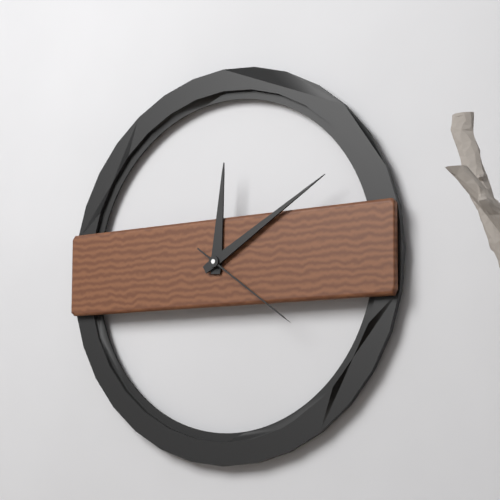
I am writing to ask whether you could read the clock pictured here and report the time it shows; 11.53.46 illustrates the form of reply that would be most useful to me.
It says 12.10.21
